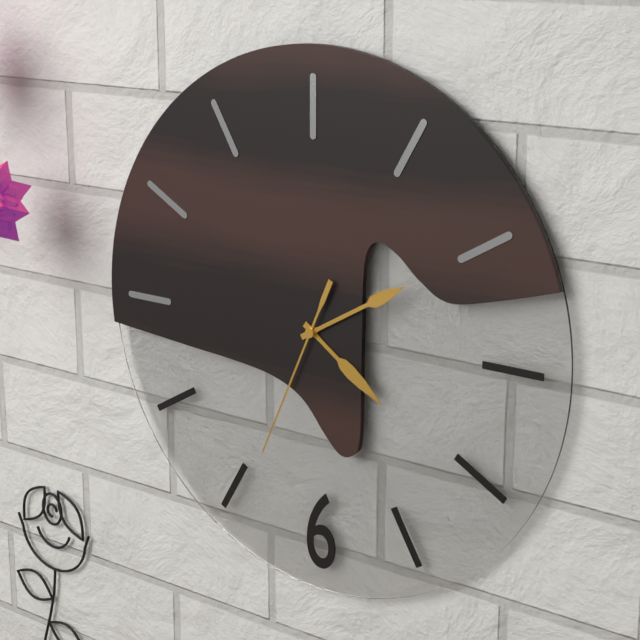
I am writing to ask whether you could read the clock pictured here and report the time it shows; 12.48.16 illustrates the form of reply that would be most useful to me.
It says 4.10.34
